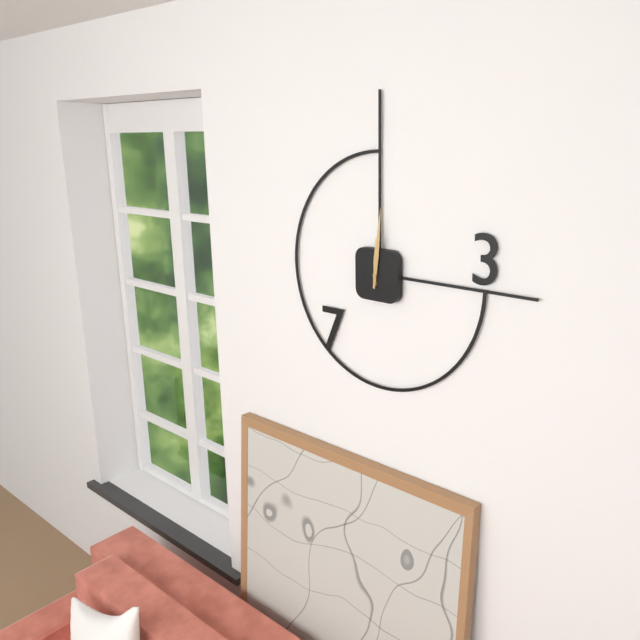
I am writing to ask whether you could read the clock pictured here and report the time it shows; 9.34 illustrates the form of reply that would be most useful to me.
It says 12.01
